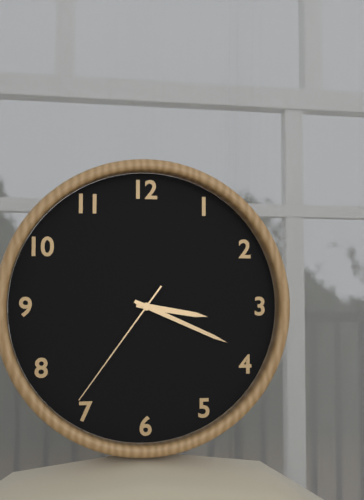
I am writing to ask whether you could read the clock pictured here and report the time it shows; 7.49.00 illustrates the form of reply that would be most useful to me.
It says 3.19.36
